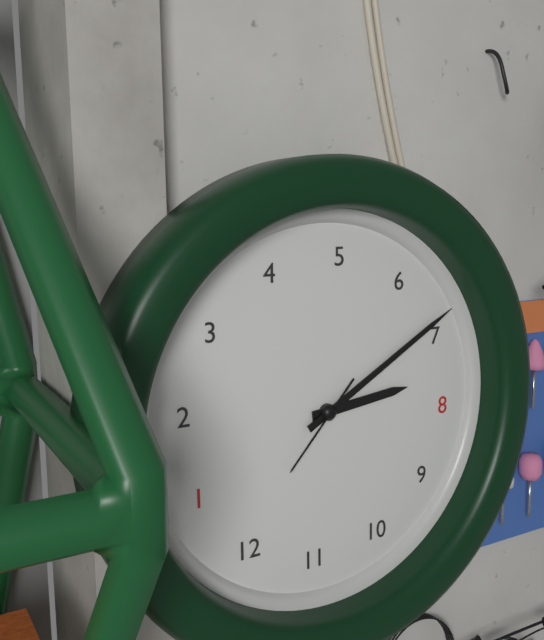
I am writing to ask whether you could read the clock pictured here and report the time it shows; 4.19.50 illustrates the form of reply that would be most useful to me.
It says 7.34.01
